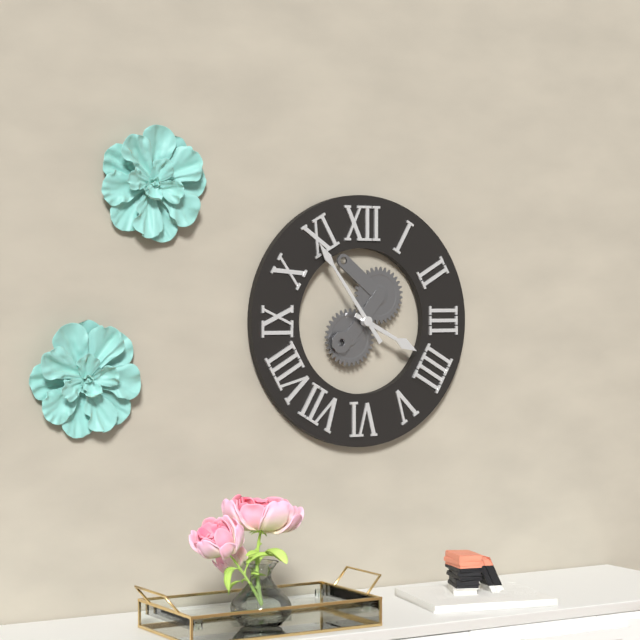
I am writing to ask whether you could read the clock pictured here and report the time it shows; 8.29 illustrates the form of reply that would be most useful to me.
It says 3.54
